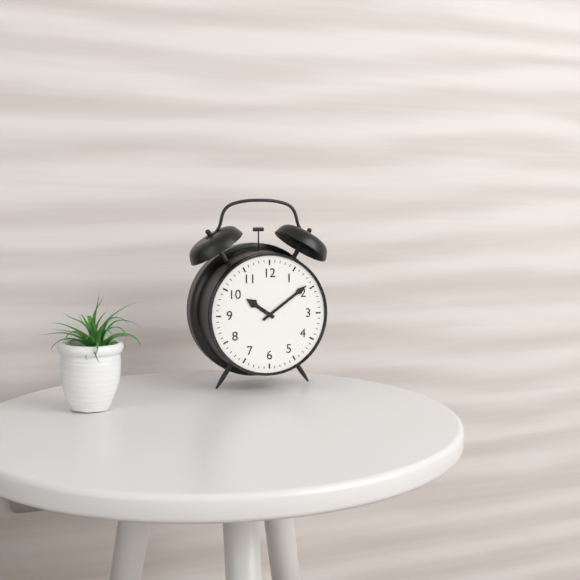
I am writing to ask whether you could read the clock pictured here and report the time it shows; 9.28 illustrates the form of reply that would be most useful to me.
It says 10.09
